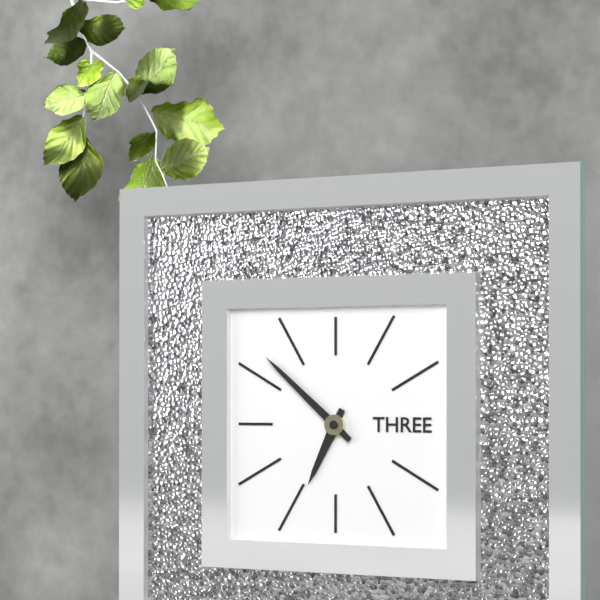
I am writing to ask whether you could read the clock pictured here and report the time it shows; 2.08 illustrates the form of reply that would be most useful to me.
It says 6.52
